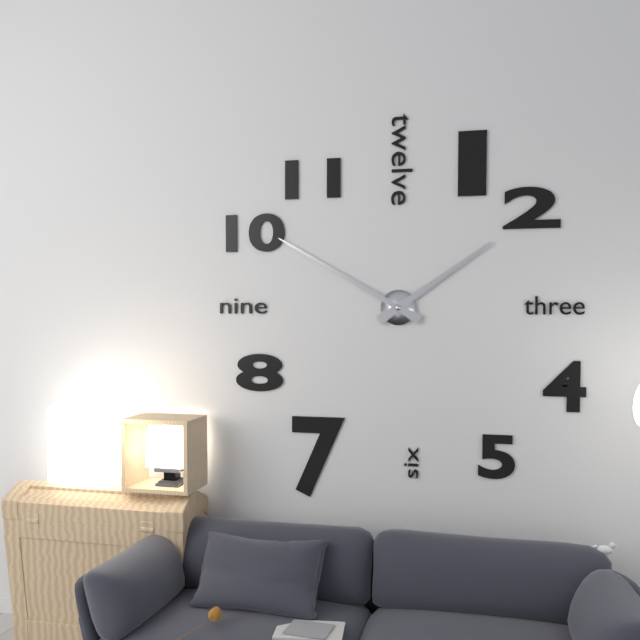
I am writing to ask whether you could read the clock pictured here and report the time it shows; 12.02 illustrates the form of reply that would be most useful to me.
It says 1.50
